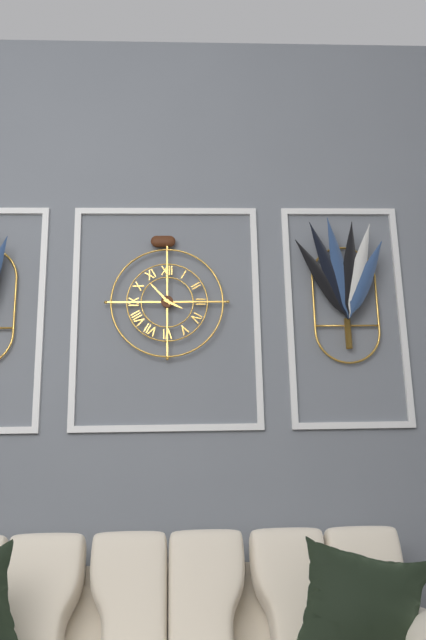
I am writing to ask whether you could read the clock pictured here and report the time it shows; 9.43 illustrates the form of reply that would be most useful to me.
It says 3.53
